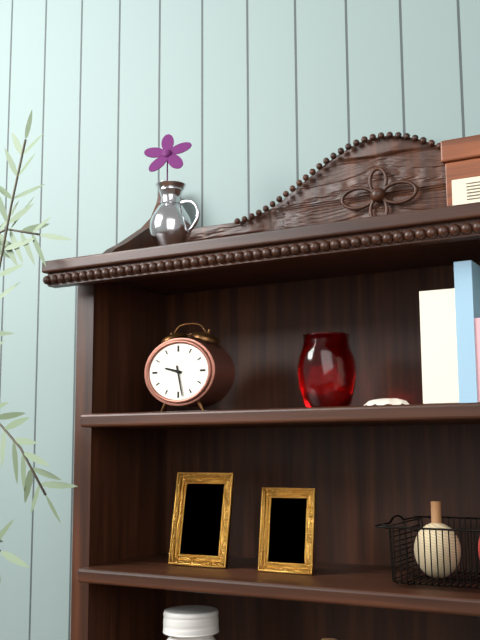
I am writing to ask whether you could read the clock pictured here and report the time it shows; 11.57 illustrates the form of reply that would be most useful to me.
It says 9.28
